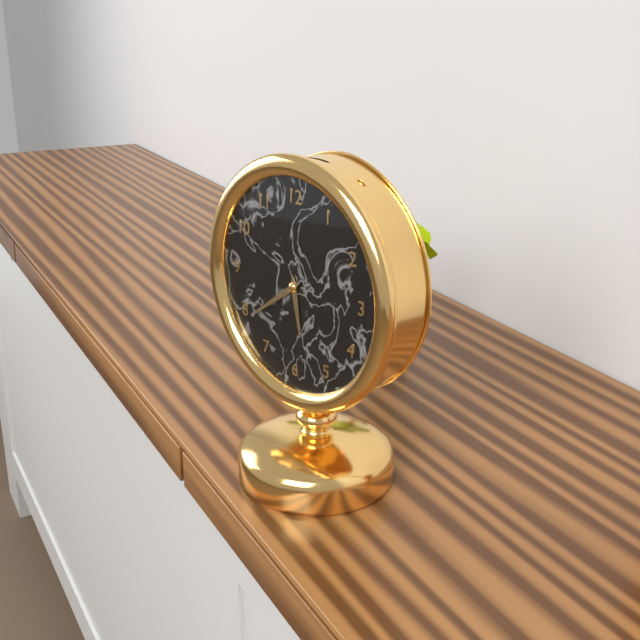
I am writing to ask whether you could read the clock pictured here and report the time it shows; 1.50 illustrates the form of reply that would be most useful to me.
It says 5.39
